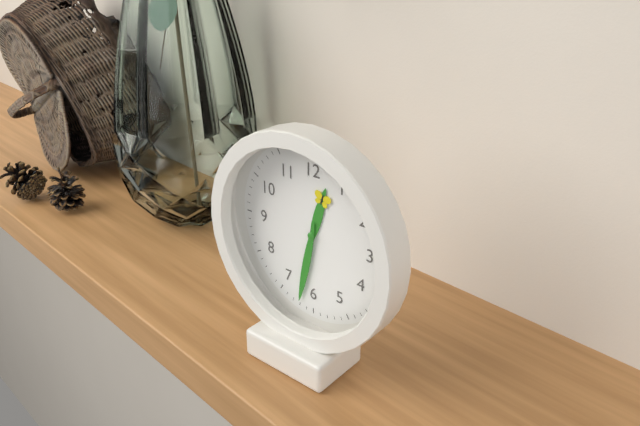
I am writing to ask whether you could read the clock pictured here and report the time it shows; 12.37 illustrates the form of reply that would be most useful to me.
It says 12.32
